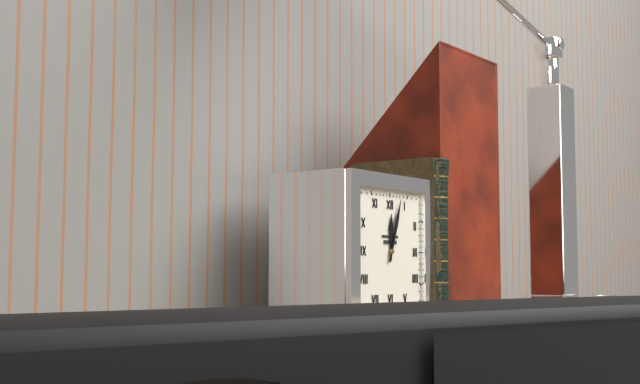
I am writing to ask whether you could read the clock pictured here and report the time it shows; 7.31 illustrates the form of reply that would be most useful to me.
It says 12.03
